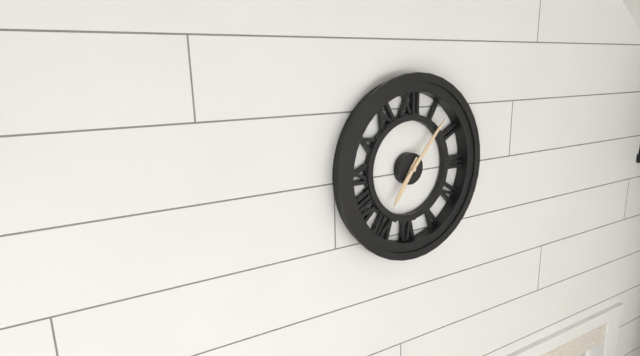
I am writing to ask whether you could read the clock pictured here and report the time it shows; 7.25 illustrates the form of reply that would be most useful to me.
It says 7.07
